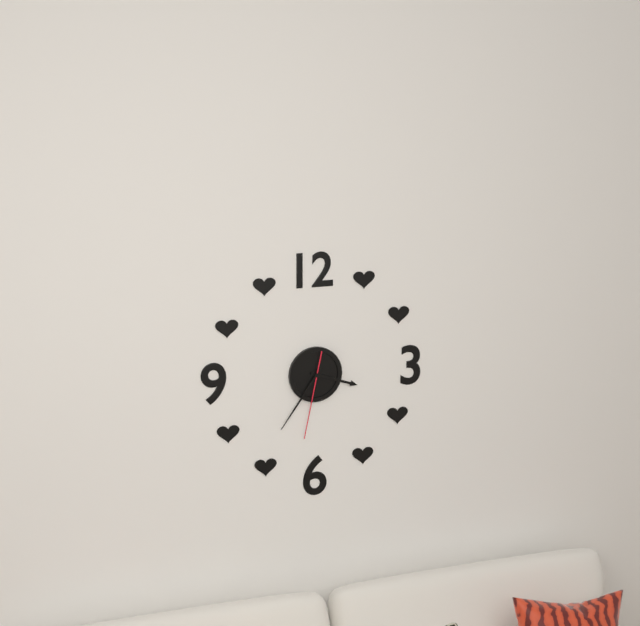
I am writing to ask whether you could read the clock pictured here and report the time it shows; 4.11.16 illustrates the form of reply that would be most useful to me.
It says 3.36.32
